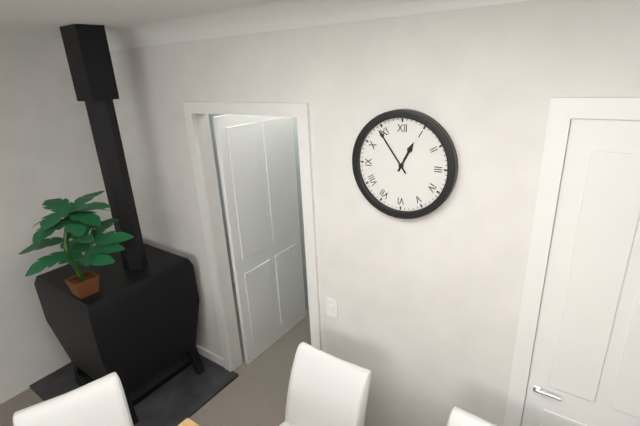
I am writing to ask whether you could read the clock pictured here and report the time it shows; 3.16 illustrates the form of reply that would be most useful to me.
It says 12.54
